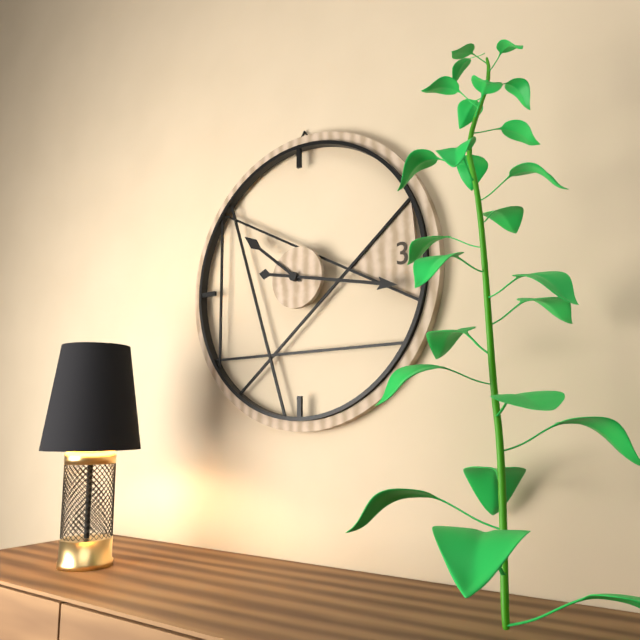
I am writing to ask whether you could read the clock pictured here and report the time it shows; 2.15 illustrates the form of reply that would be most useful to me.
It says 10.17
